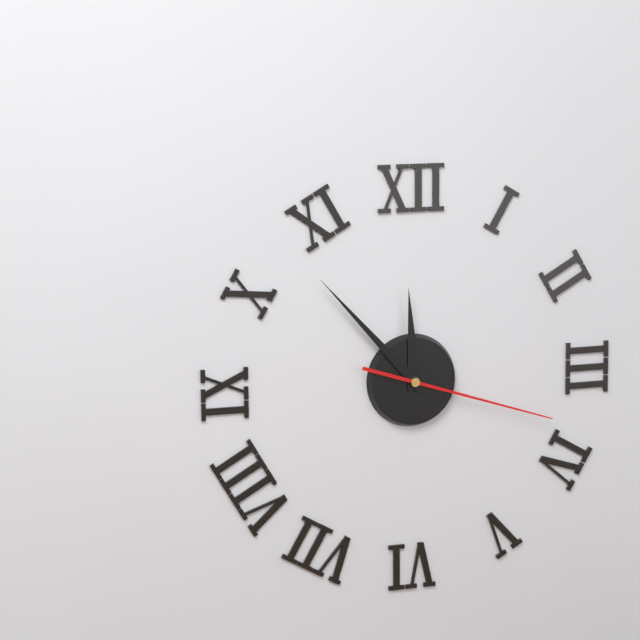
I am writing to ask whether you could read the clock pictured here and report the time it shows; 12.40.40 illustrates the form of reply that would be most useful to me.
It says 11.53.18
